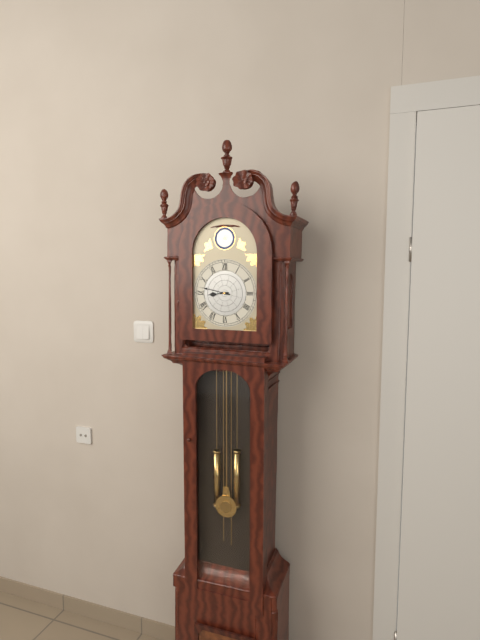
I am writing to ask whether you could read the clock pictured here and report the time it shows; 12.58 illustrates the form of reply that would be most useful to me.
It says 8.47
